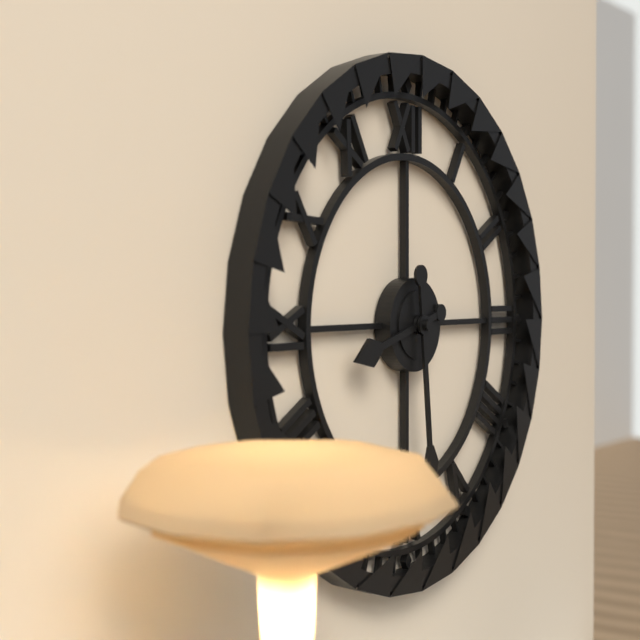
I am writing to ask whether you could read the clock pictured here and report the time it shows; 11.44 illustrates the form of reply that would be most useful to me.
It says 8.29
